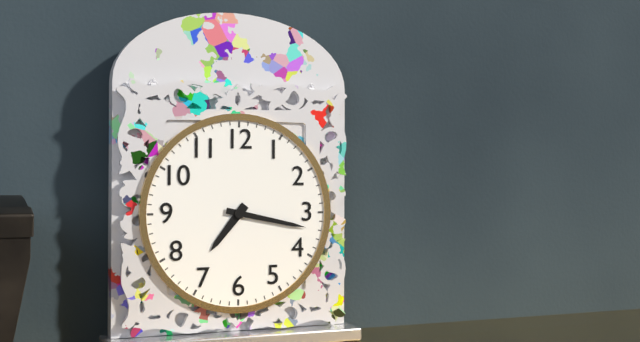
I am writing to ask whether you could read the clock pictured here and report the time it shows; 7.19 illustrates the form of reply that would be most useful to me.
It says 7.17
